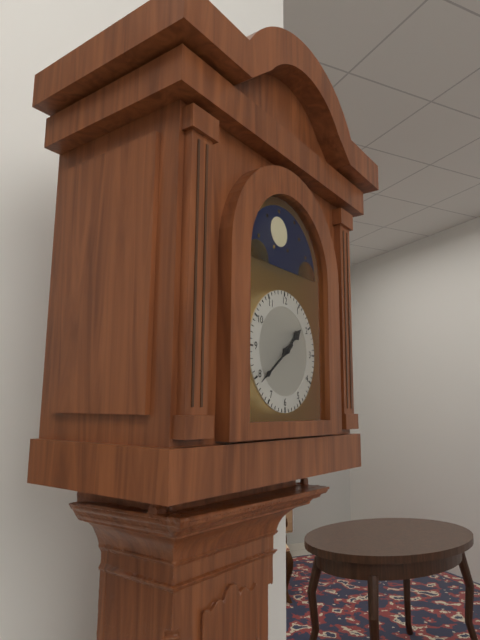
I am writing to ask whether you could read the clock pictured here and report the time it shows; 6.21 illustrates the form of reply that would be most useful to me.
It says 1.39
